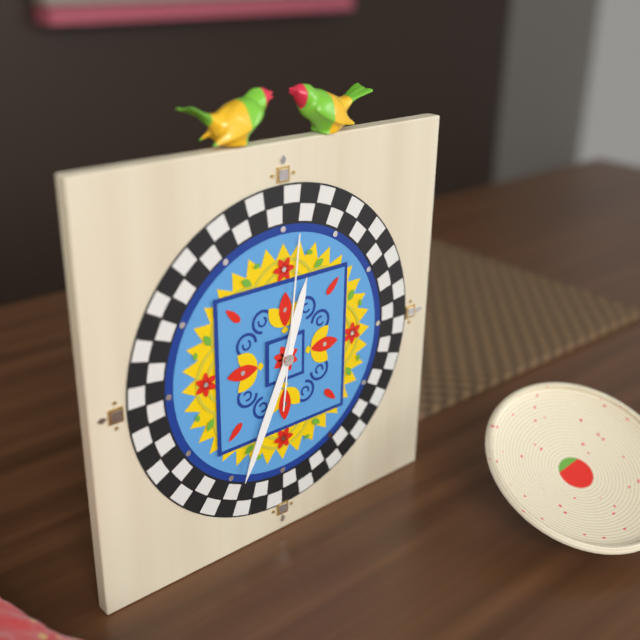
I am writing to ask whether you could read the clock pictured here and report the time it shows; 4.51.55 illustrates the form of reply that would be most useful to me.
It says 12.34.01
